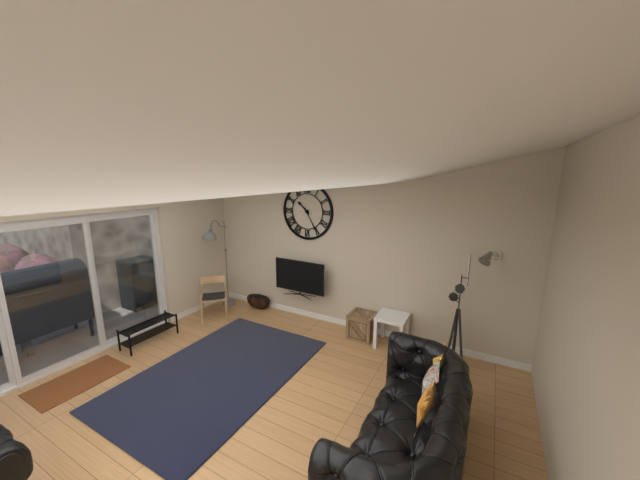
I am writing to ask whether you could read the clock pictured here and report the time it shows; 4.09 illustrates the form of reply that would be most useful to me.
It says 10.25
